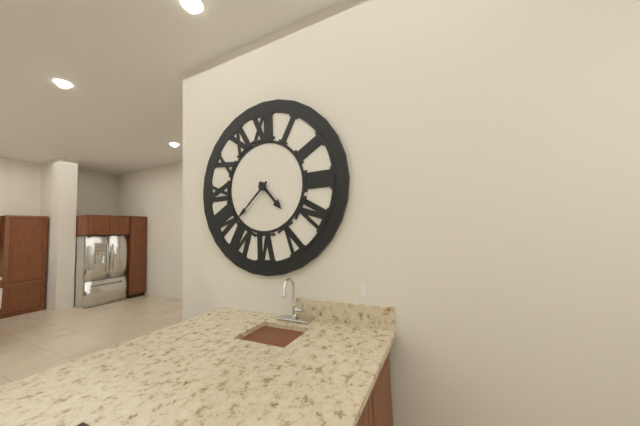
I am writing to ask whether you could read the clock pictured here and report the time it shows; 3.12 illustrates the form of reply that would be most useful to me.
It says 4.38
